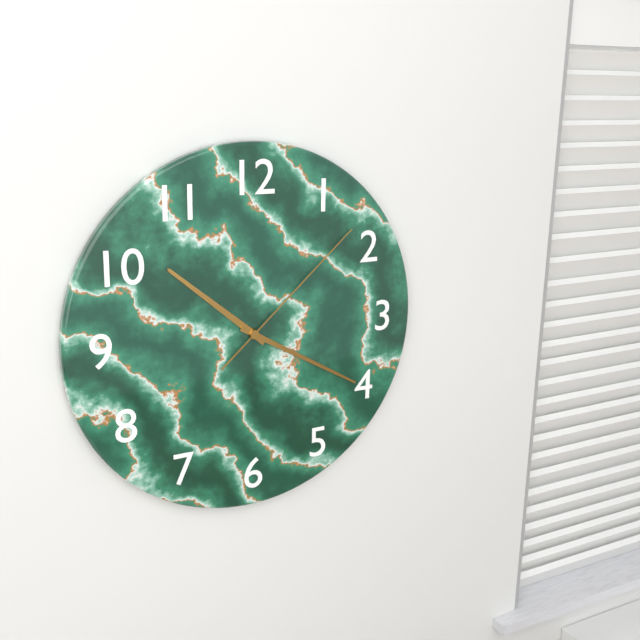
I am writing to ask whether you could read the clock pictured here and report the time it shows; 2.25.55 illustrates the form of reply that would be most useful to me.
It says 10.20.08
